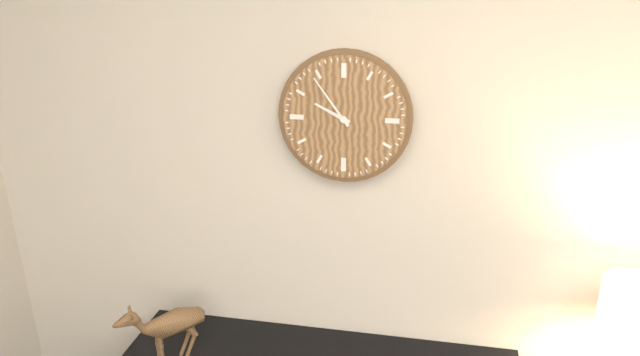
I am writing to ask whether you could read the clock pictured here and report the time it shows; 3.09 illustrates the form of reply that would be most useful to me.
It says 9.54
